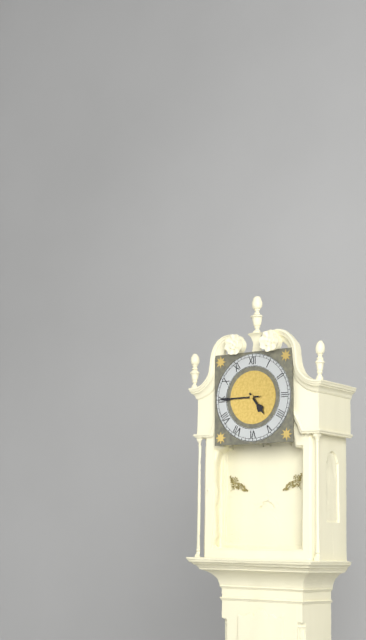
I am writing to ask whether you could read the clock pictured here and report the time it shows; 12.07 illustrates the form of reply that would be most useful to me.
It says 4.45
